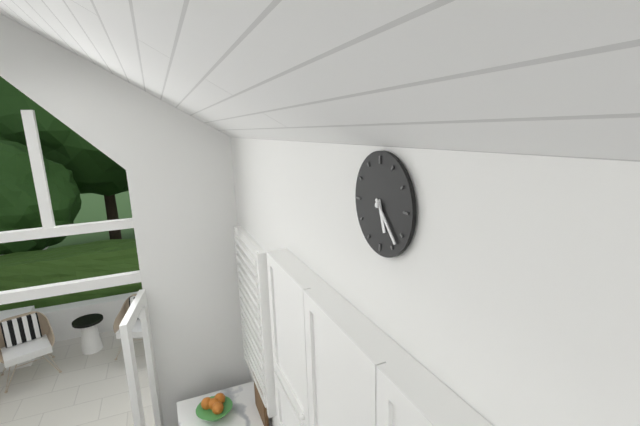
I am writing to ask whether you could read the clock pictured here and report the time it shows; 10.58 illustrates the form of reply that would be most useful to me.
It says 5.23
